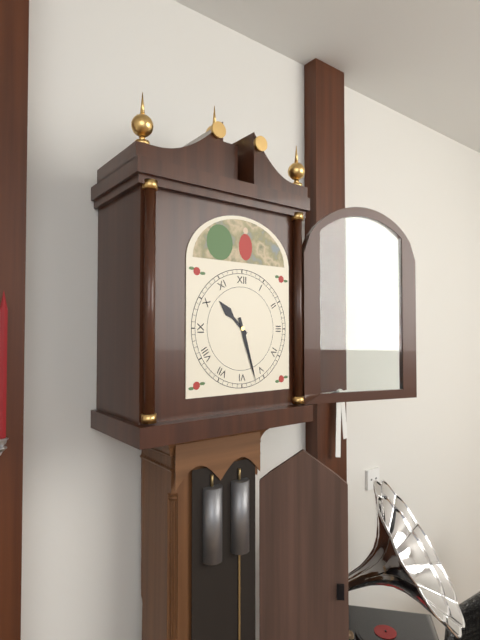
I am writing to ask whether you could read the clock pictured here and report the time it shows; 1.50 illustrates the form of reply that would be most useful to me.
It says 10.27
